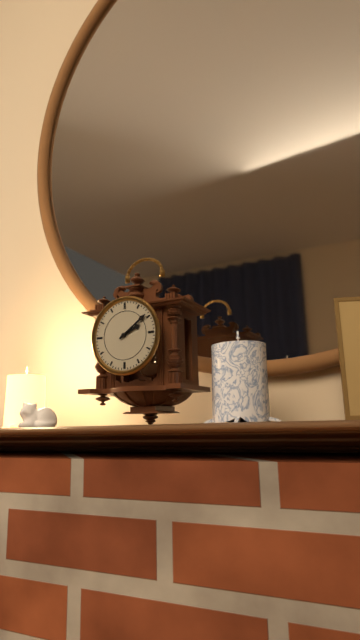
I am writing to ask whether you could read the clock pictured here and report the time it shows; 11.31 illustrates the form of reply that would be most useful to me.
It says 2.09
